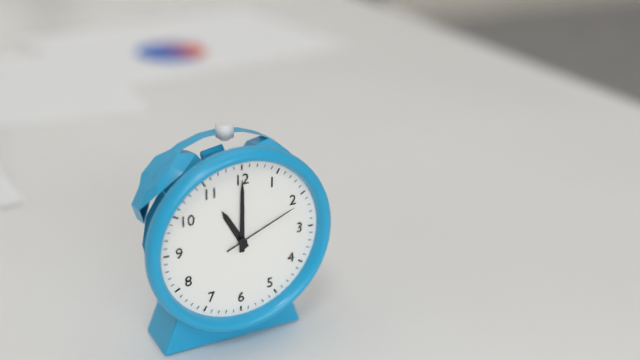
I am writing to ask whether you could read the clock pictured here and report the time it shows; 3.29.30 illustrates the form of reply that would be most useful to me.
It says 11.00.11
